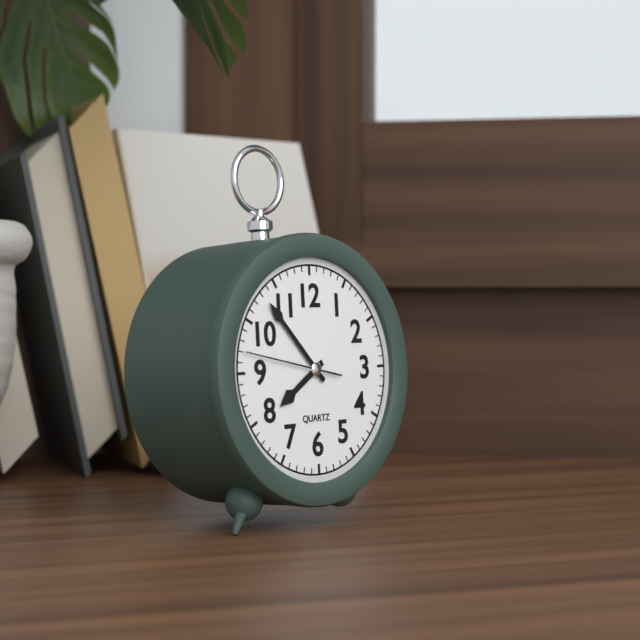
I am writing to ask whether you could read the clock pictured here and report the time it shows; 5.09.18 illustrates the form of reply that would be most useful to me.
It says 7.53.47
